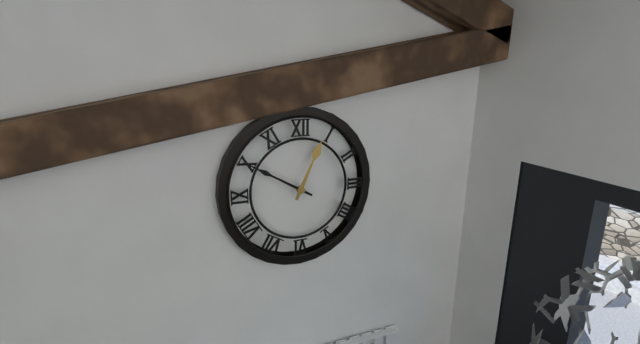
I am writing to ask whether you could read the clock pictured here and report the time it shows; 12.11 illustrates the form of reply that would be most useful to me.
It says 12.50
